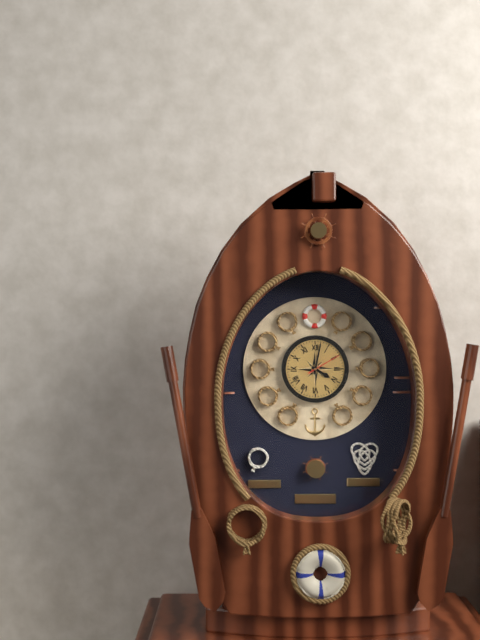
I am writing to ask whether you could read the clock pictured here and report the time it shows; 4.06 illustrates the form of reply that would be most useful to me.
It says 4.02
